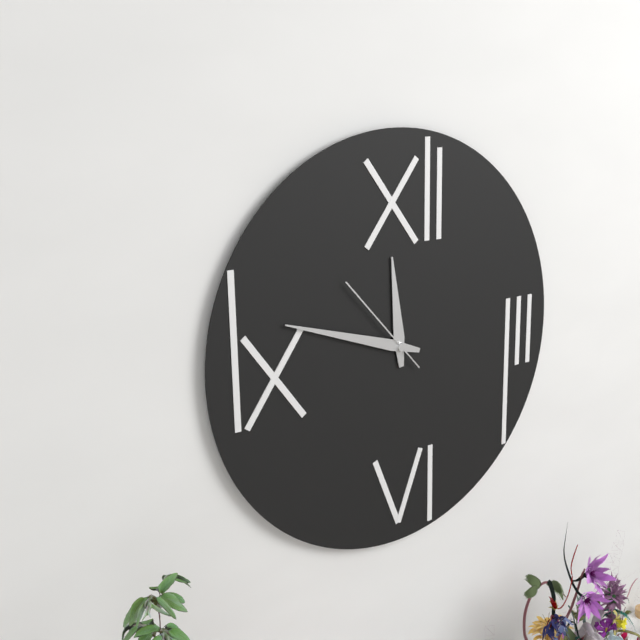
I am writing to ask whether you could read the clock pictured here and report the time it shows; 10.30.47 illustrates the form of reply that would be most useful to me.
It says 11.48.53
